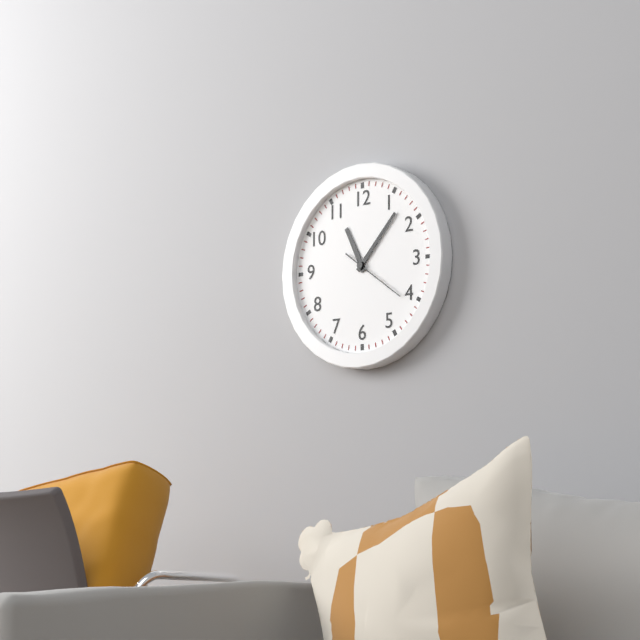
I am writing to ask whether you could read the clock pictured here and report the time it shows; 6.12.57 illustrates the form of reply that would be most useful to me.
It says 11.07.21
